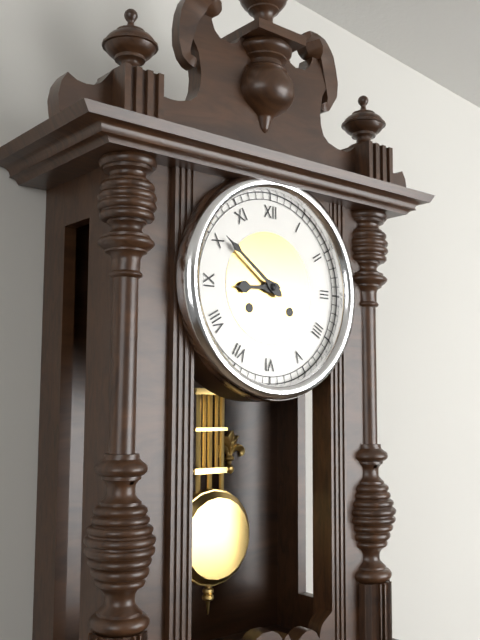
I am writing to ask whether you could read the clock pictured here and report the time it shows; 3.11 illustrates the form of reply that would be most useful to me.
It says 8.51
